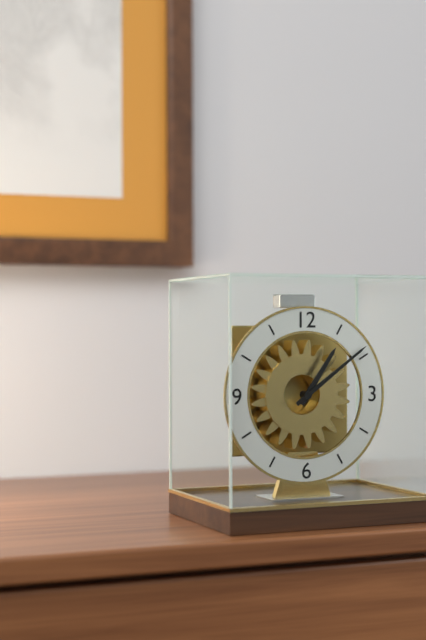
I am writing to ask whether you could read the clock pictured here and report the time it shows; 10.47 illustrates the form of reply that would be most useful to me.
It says 1.09
